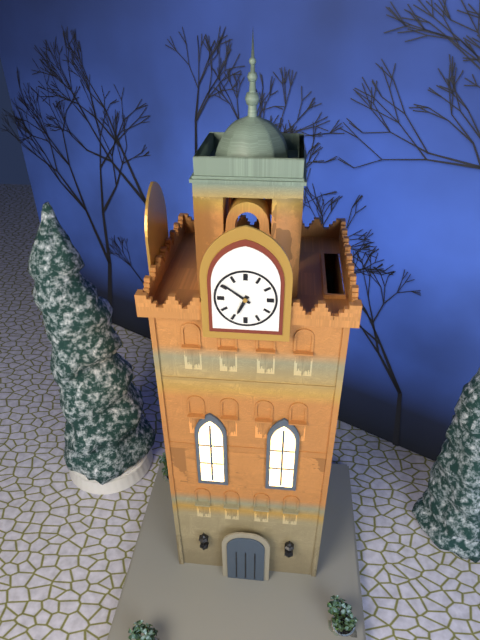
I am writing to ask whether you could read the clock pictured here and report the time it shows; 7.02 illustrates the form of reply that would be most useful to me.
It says 6.51
